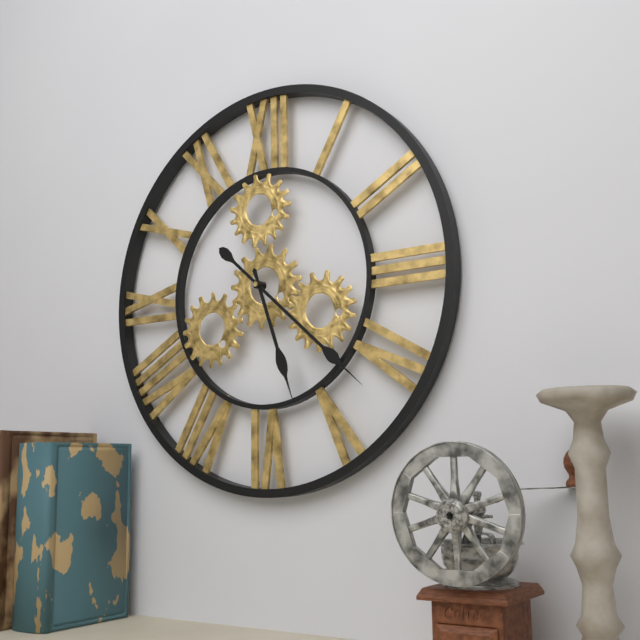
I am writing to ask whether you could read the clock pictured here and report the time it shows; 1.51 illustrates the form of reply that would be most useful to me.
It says 5.22
